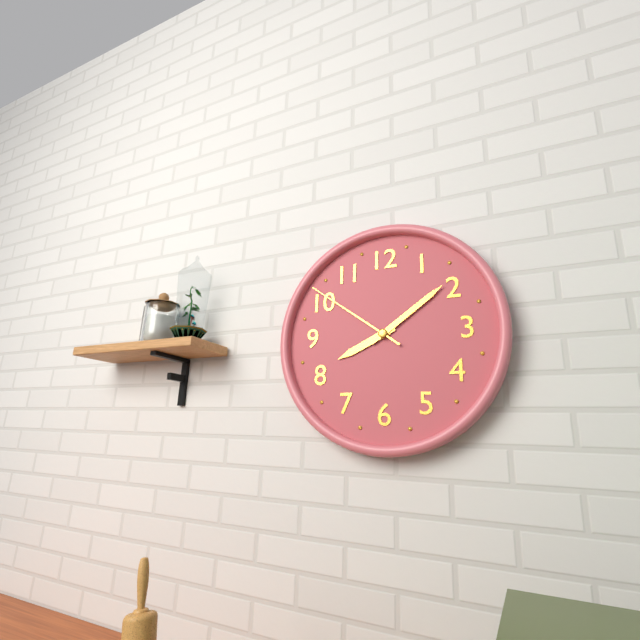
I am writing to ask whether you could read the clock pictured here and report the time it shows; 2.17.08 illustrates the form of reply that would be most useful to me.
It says 8.09.51
